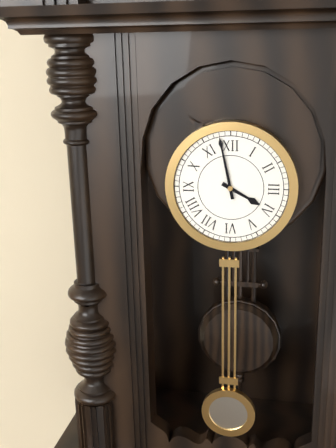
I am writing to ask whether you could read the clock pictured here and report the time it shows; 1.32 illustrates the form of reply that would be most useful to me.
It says 3.58
